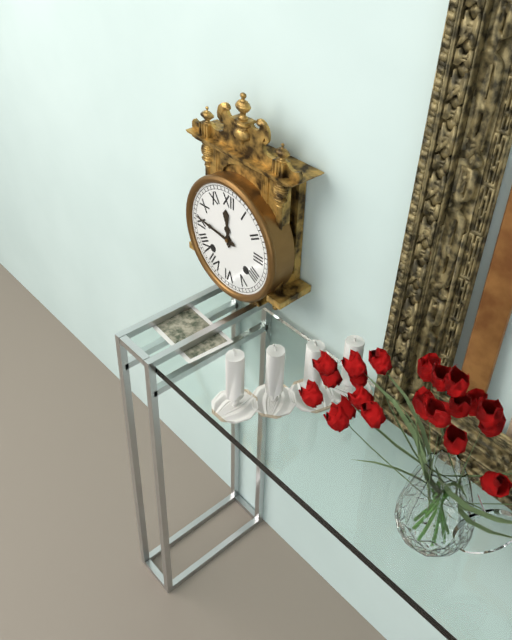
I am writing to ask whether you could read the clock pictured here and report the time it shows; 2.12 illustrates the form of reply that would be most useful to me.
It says 11.46
